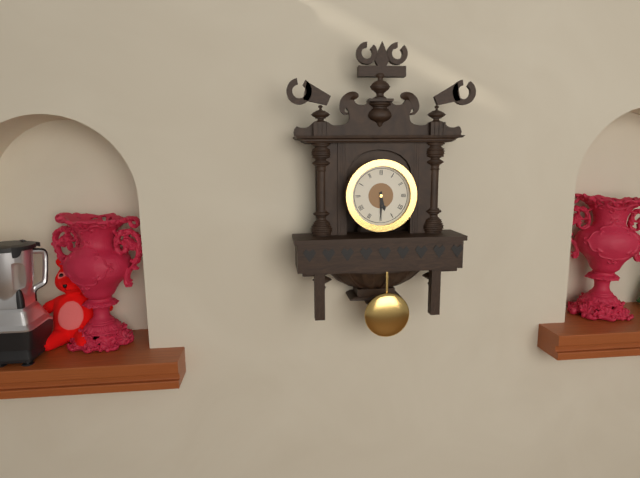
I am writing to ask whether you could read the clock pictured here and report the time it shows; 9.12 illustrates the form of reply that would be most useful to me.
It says 5.30
